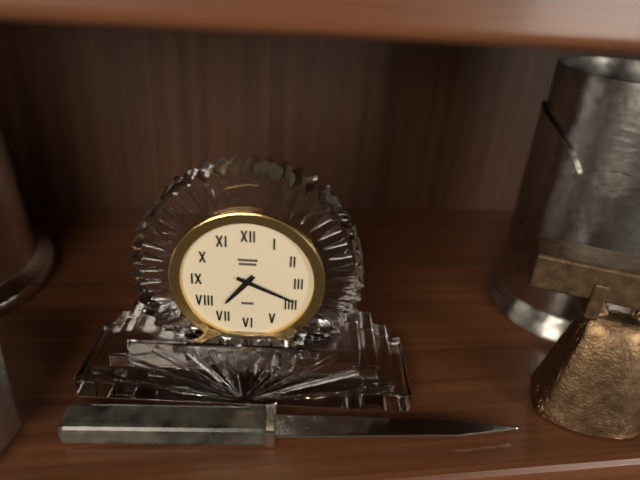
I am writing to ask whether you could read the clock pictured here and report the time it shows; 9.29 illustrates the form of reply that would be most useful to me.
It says 7.19
